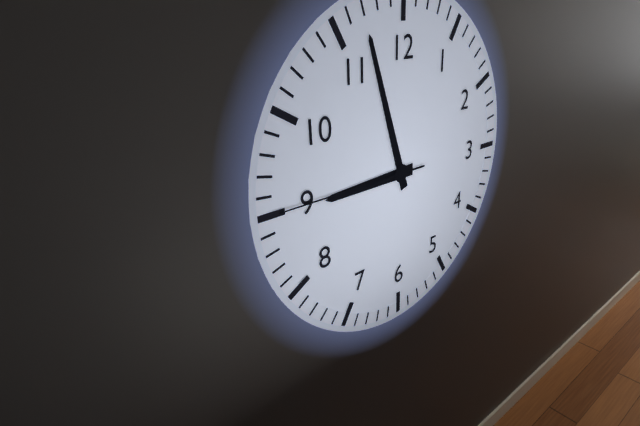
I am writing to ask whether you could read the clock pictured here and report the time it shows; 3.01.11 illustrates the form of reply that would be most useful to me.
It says 8.57.45
